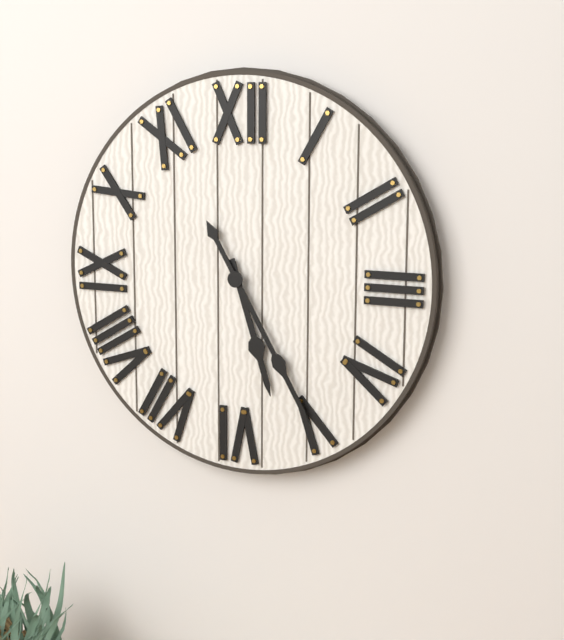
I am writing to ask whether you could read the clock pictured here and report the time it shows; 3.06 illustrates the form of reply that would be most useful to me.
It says 5.25
